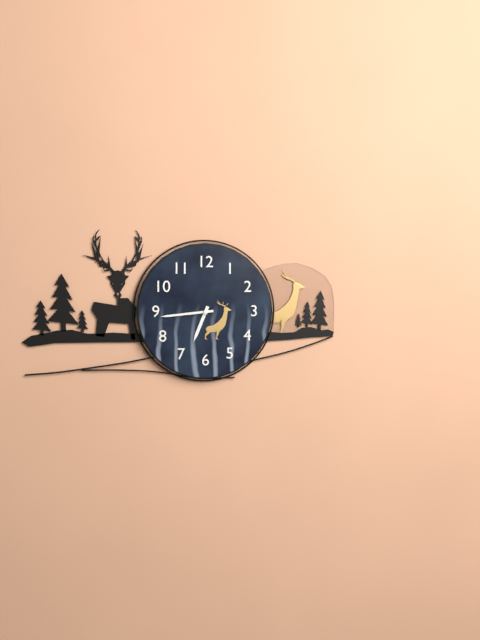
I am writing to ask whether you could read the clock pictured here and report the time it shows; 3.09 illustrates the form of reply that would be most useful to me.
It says 6.44
